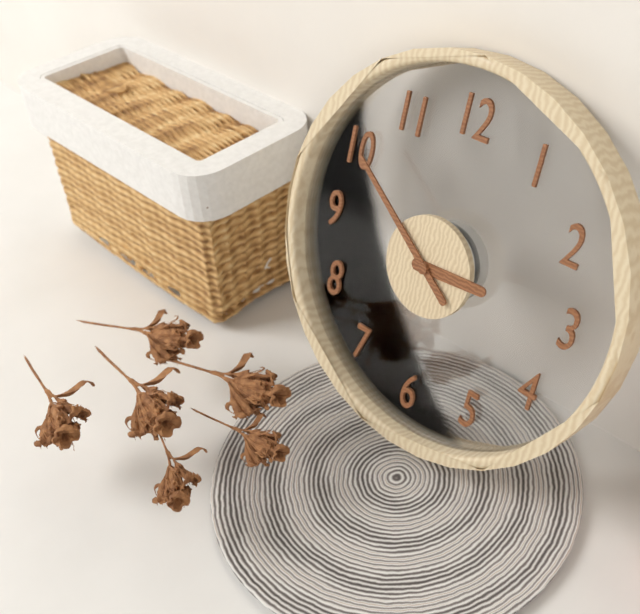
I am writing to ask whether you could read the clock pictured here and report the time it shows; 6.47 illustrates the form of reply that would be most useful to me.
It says 2.51
